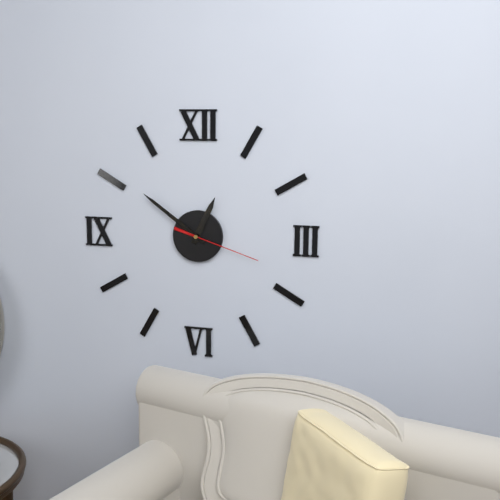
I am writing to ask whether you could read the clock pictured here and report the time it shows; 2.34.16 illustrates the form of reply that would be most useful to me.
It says 12.51.18
